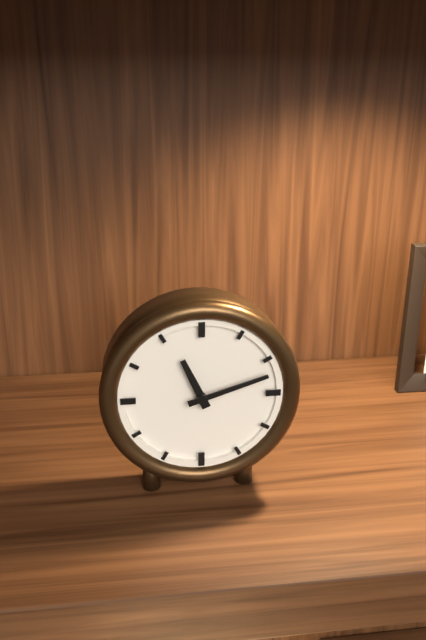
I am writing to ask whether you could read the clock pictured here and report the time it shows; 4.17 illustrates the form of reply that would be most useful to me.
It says 11.12
